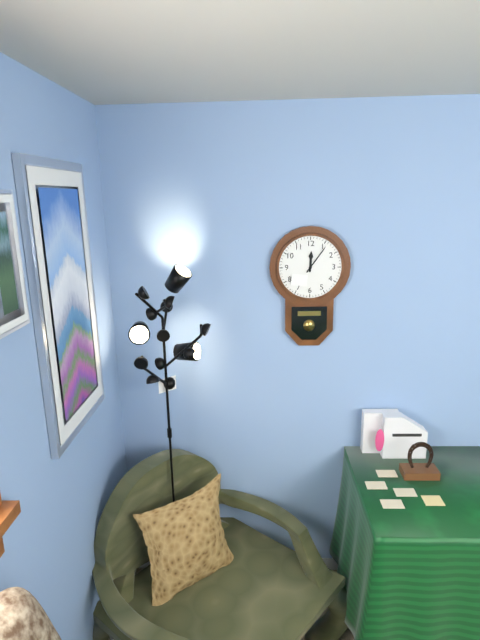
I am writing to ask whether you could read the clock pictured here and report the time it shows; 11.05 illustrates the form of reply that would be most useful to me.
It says 12.06
